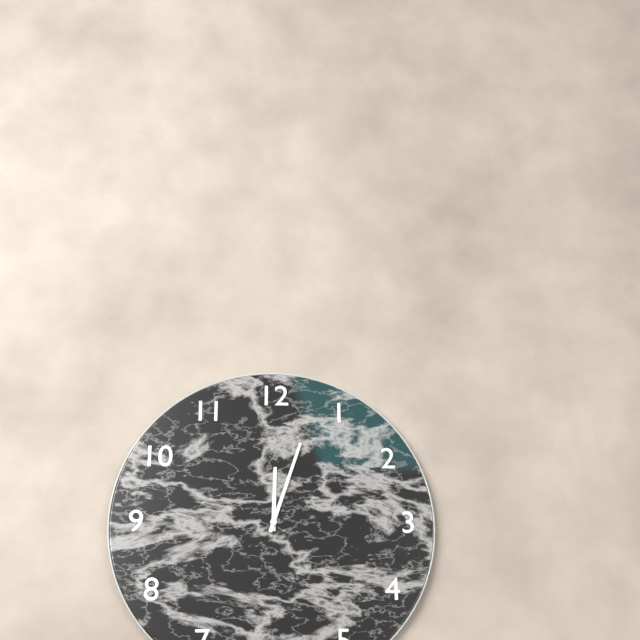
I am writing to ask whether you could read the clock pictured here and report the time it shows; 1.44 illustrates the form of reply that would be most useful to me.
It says 12.03
